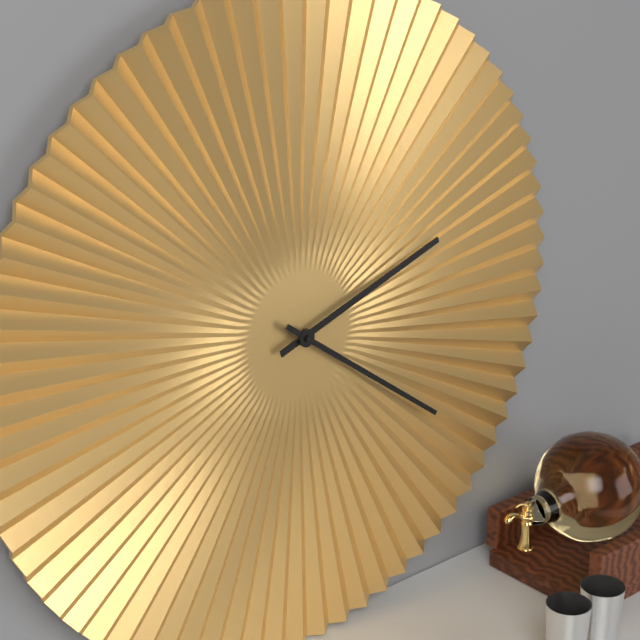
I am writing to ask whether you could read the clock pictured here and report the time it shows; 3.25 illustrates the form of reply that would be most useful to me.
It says 2.21
